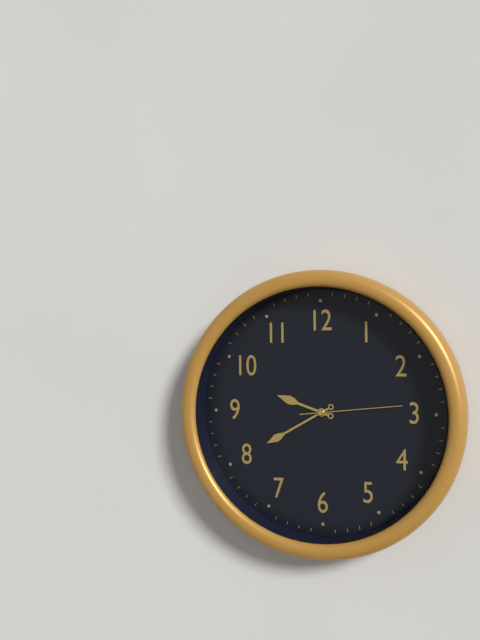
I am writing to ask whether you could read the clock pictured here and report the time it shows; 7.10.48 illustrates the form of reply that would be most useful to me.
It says 9.40.14
